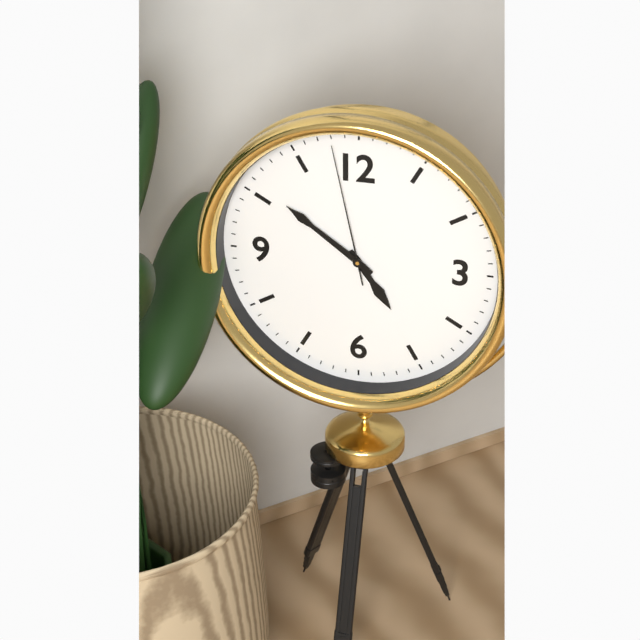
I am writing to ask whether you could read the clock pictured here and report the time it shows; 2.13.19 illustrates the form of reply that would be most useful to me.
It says 4.51.58
